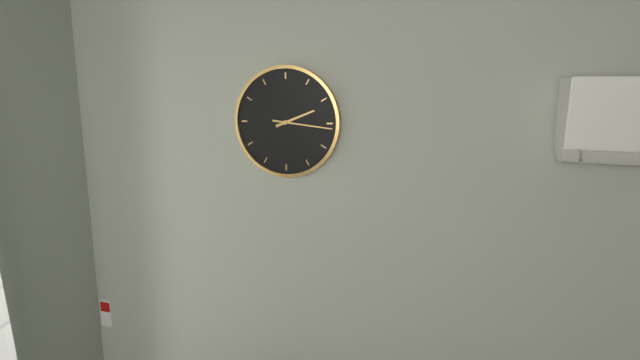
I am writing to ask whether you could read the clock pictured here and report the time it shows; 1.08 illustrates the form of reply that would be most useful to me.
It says 2.16
